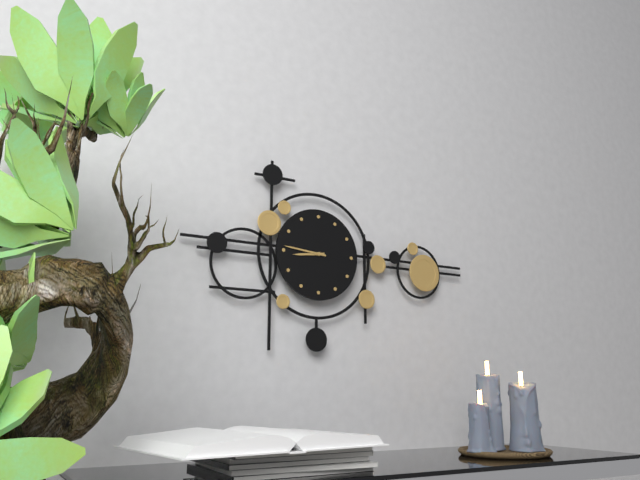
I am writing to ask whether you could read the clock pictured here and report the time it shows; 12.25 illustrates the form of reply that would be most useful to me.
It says 8.46
